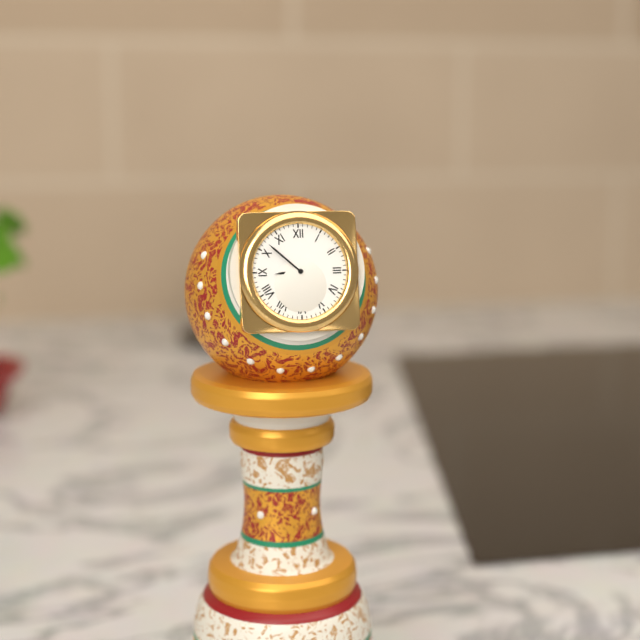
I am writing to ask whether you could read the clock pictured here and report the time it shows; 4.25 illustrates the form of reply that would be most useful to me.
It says 8.52
